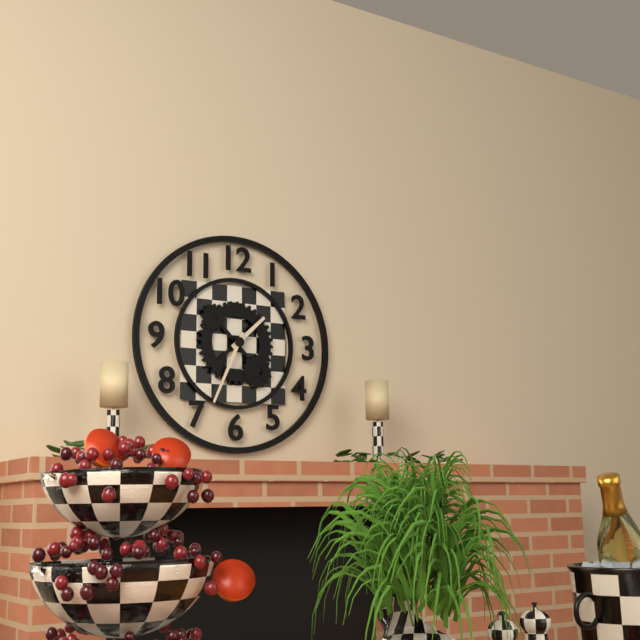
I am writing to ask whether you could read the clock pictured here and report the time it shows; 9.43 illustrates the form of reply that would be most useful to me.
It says 1.34
